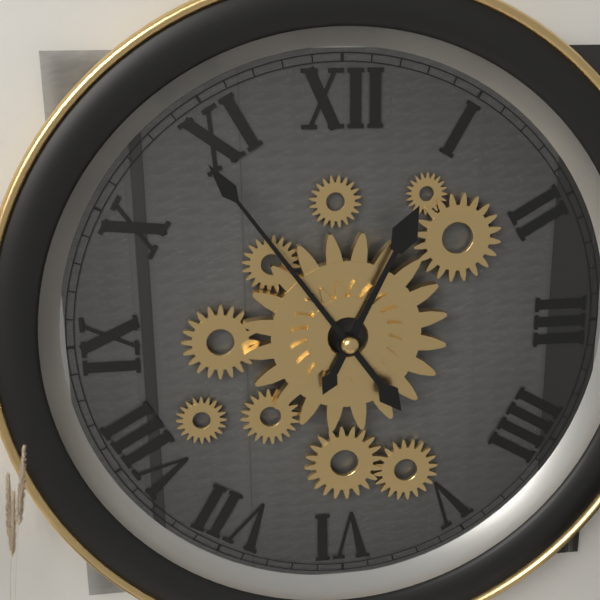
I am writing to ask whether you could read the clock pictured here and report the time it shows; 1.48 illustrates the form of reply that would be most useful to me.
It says 12.54
